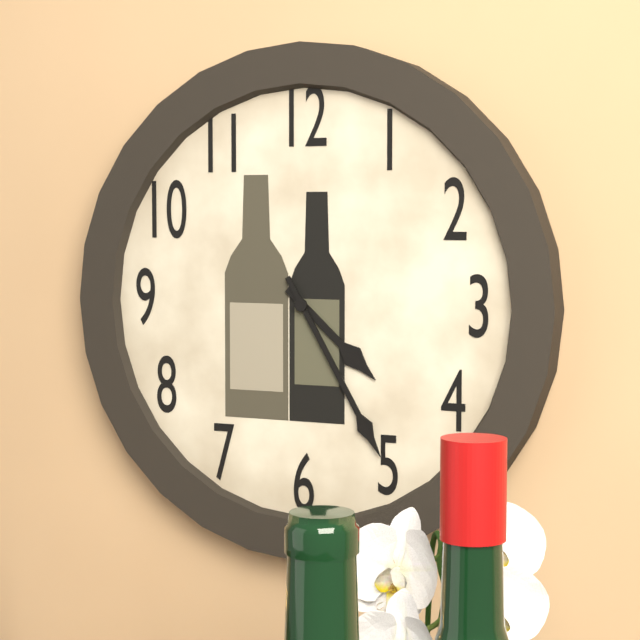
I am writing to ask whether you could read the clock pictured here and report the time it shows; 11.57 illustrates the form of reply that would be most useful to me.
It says 4.25
